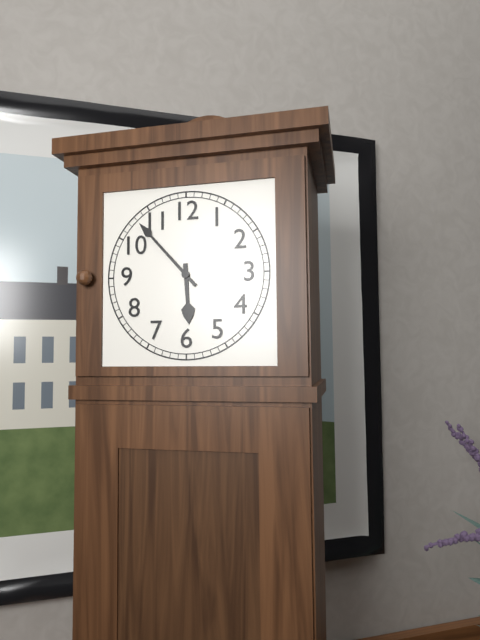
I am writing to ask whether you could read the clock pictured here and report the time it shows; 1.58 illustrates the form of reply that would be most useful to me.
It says 5.53
